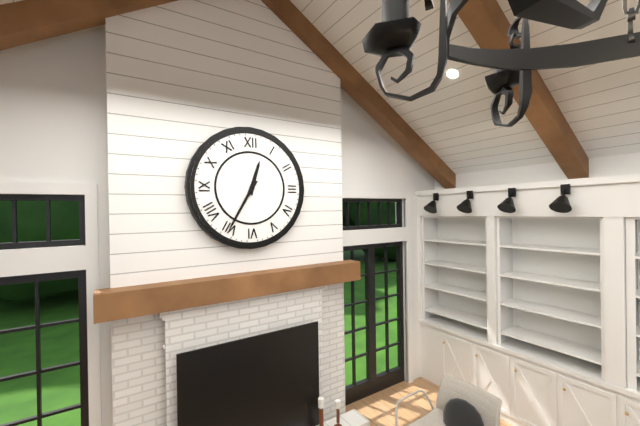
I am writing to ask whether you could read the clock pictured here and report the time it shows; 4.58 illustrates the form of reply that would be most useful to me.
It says 12.35
